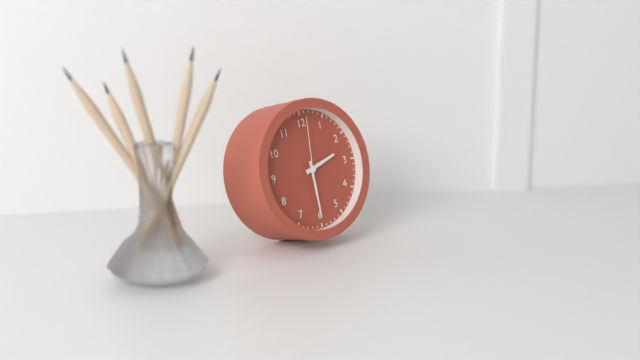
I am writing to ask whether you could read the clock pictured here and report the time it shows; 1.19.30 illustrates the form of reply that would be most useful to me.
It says 2.30.01
